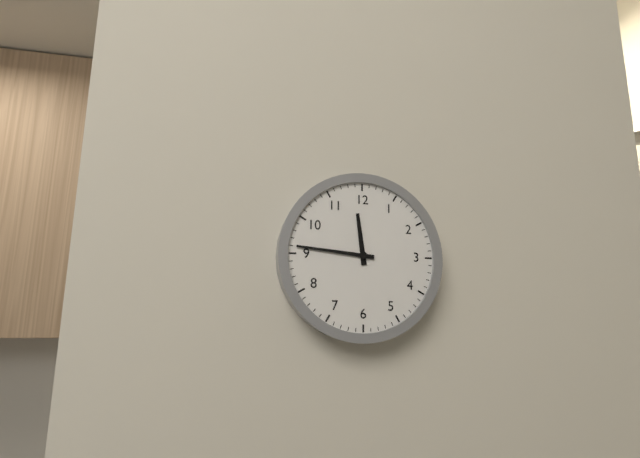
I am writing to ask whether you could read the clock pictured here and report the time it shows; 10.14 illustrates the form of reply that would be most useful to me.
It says 11.46
